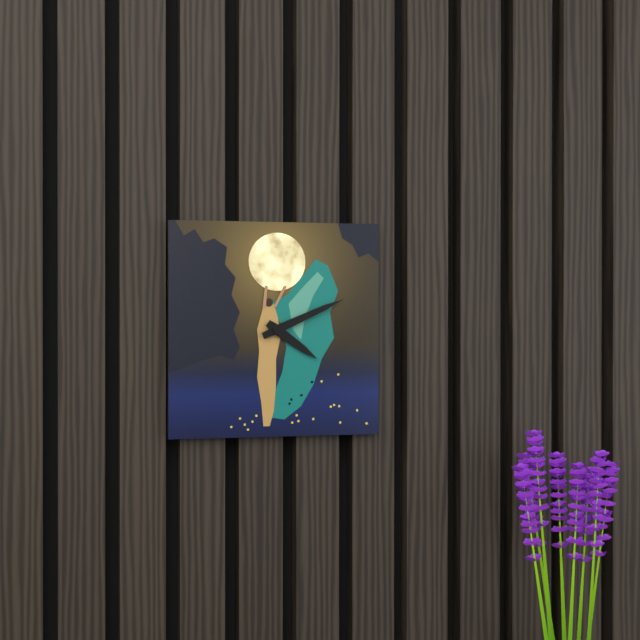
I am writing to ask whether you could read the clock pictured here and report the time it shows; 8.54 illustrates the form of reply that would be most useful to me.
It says 4.11
